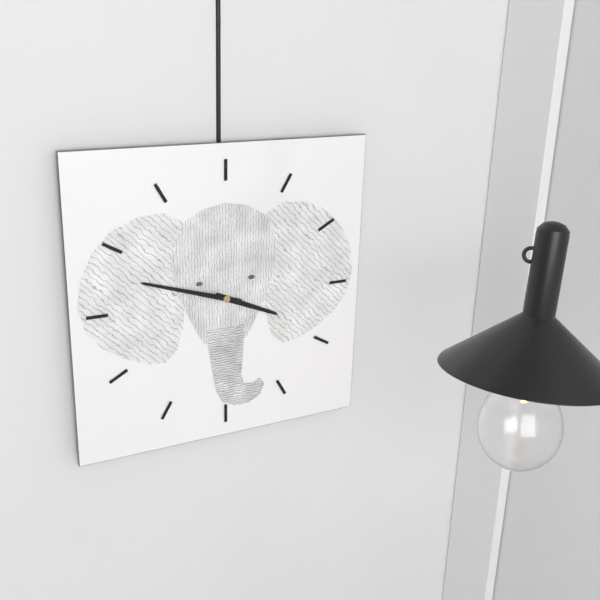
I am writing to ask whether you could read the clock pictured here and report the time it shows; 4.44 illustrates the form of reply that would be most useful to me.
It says 3.48
